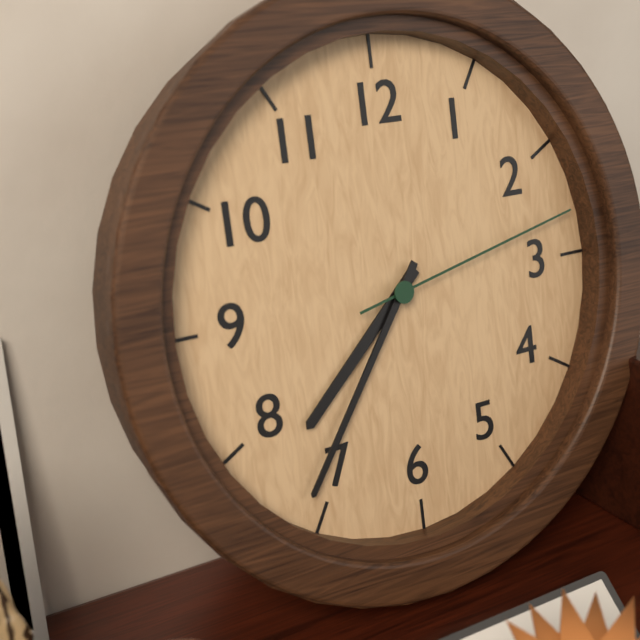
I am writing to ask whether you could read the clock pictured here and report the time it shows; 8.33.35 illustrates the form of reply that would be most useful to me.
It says 7.36.13
